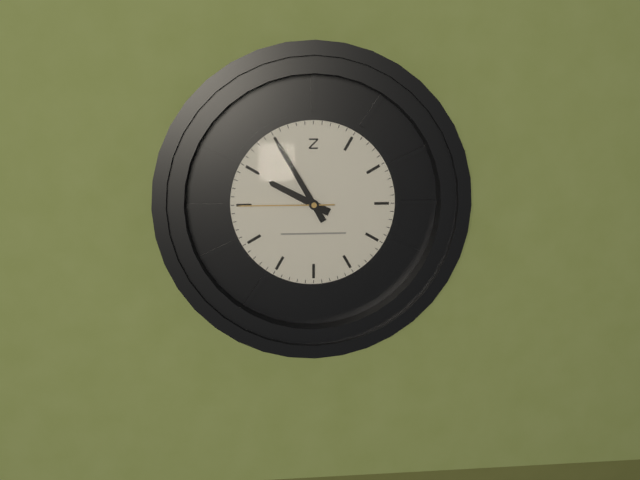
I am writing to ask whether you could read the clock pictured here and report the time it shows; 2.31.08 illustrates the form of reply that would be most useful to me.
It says 9.55.45
